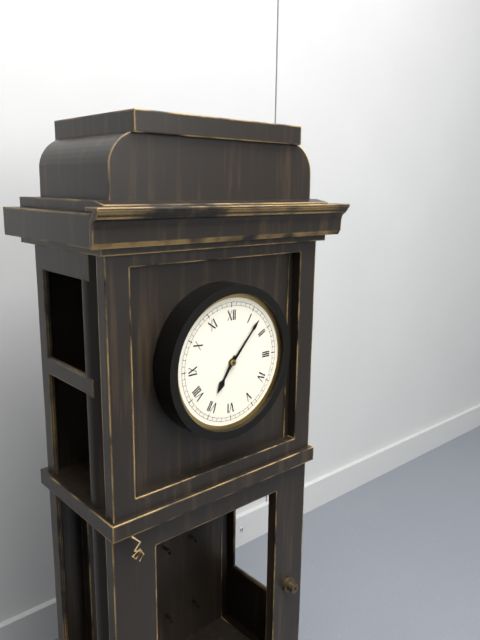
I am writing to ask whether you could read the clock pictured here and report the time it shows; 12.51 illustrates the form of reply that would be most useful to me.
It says 7.07
